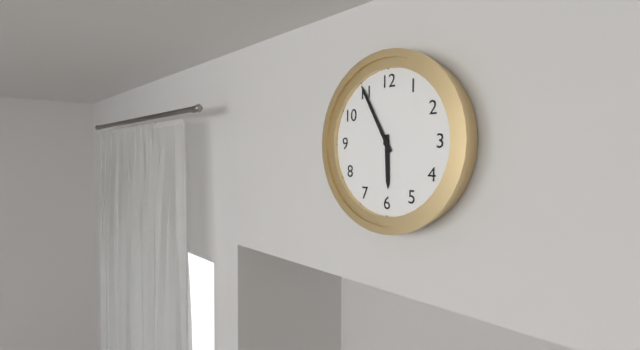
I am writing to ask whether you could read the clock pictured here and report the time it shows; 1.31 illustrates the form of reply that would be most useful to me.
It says 5.55
